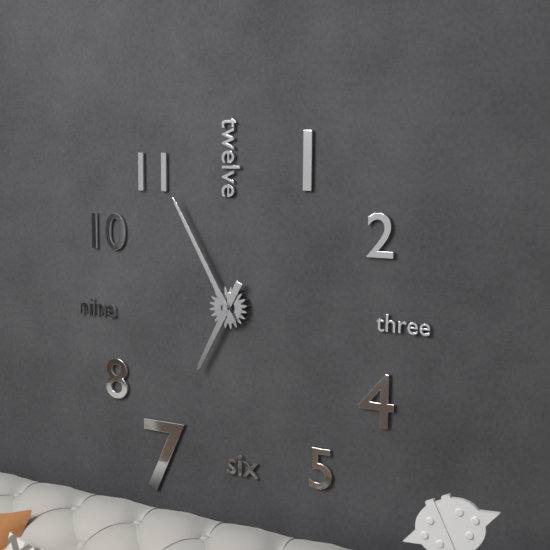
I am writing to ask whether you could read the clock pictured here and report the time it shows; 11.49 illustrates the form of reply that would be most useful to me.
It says 6.55
